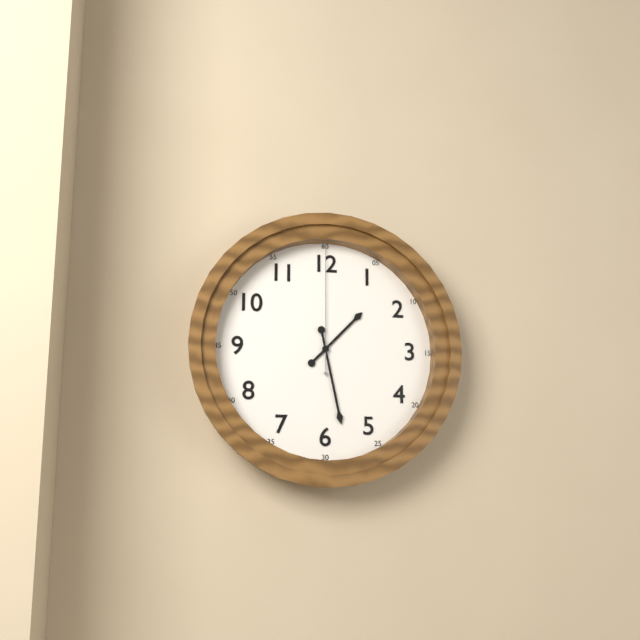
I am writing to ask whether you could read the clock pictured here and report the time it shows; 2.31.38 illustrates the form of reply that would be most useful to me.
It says 1.28.00
